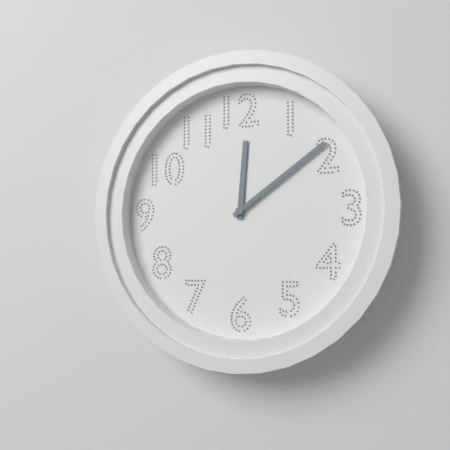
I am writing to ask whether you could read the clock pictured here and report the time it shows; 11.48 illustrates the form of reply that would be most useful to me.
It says 12.09
